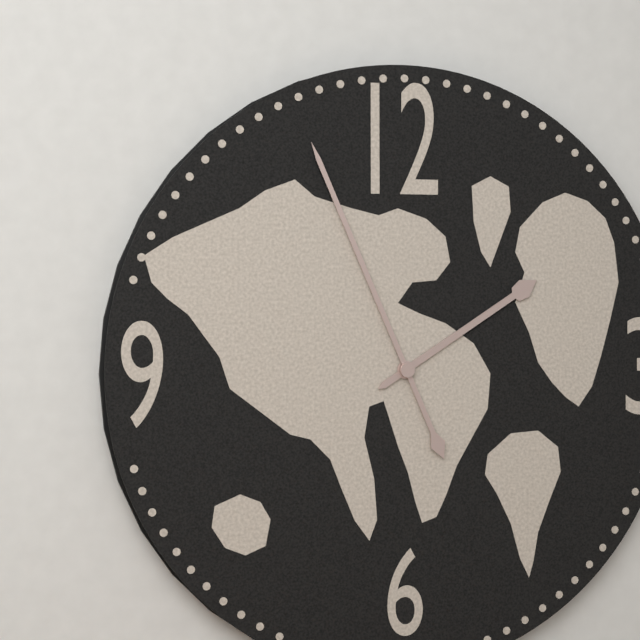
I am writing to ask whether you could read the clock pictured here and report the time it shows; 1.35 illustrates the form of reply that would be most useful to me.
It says 1.56
